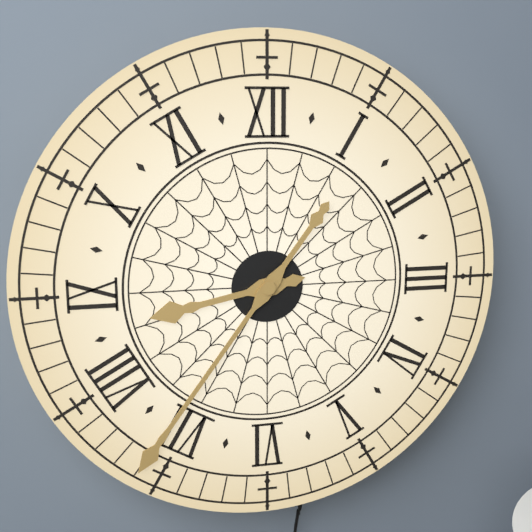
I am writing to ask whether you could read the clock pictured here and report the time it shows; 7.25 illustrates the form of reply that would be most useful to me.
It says 8.36
